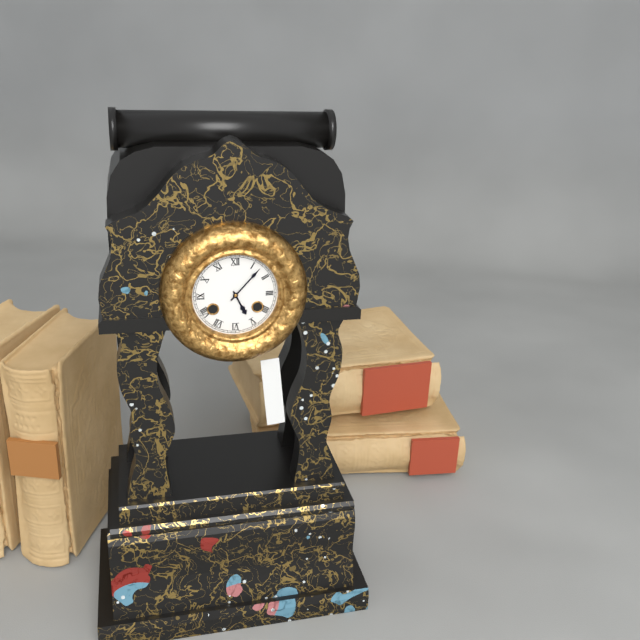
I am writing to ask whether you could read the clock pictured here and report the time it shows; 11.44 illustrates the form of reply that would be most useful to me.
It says 5.07
